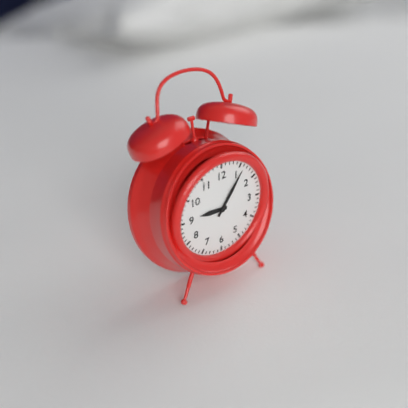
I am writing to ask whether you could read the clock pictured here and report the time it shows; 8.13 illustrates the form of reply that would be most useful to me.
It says 9.06
